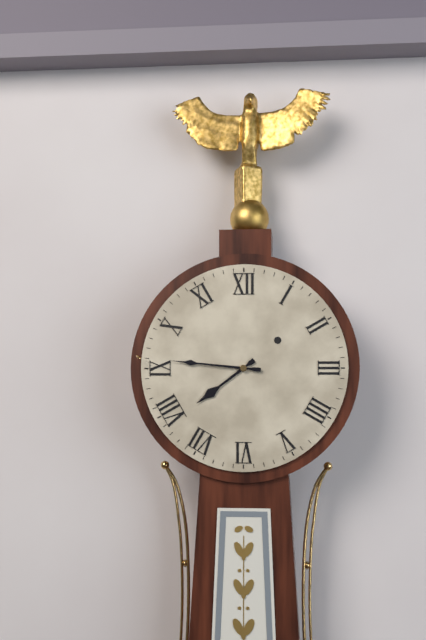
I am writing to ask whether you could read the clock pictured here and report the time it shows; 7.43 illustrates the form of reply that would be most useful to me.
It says 7.46
